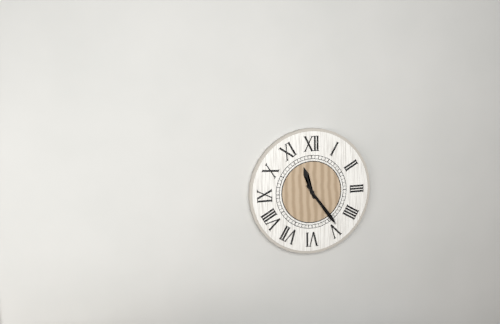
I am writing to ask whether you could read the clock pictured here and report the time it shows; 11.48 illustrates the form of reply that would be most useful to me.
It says 11.24
